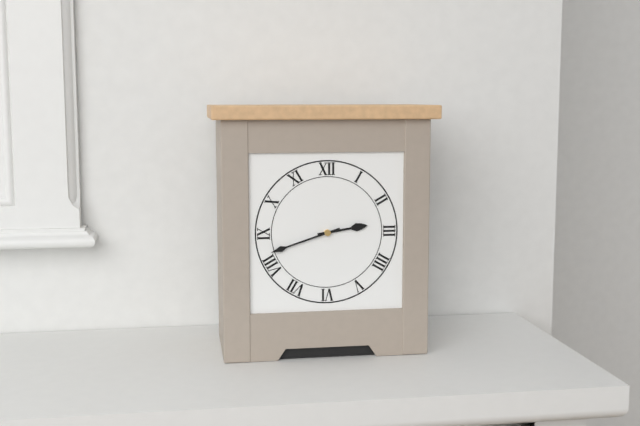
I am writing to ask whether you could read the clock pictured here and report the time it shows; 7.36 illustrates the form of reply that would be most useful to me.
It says 2.42
